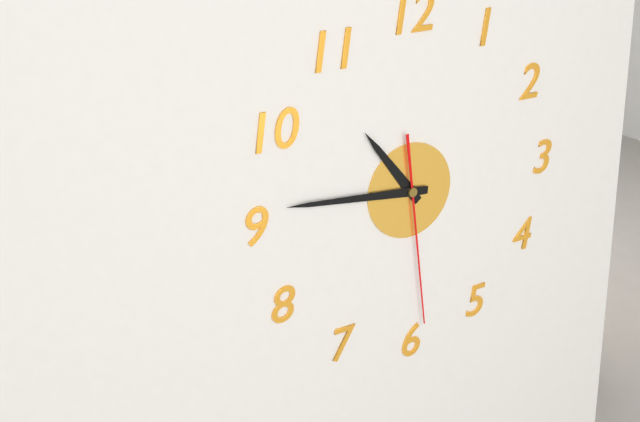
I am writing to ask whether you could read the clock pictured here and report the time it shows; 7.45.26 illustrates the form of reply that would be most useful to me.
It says 10.46.29
